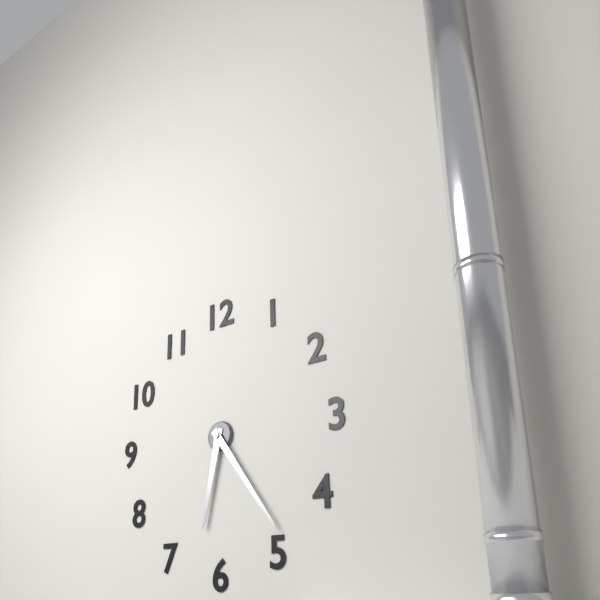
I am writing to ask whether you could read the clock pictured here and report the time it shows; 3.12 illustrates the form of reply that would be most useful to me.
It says 6.24
